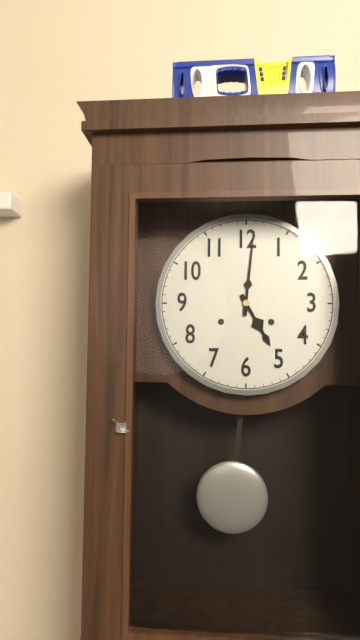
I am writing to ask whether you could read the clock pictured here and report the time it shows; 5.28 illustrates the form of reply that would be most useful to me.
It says 5.01
